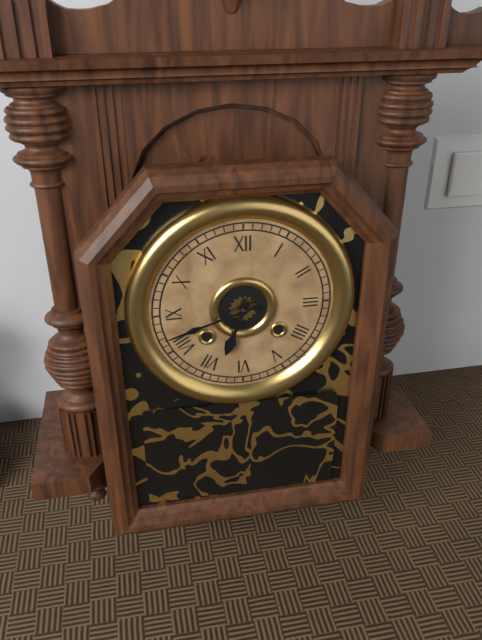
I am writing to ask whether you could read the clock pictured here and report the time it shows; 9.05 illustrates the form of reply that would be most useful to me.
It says 6.42
